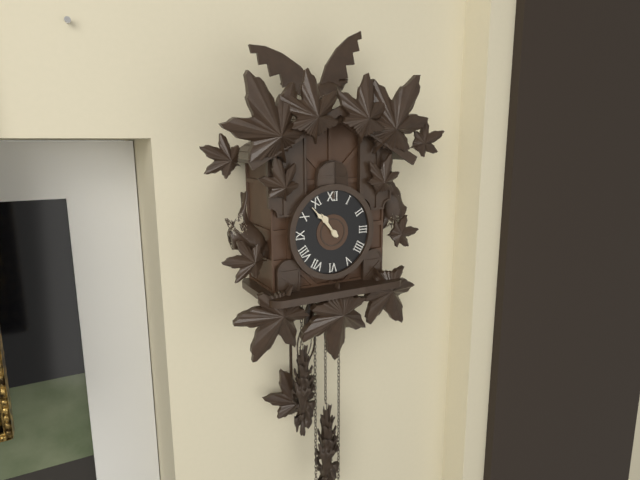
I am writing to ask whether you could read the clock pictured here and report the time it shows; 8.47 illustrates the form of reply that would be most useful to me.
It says 10.53
